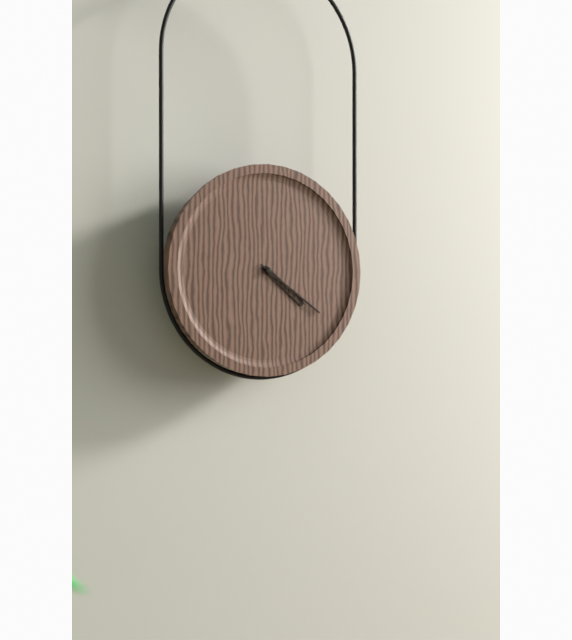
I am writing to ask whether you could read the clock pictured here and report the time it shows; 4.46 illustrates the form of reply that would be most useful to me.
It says 4.21
